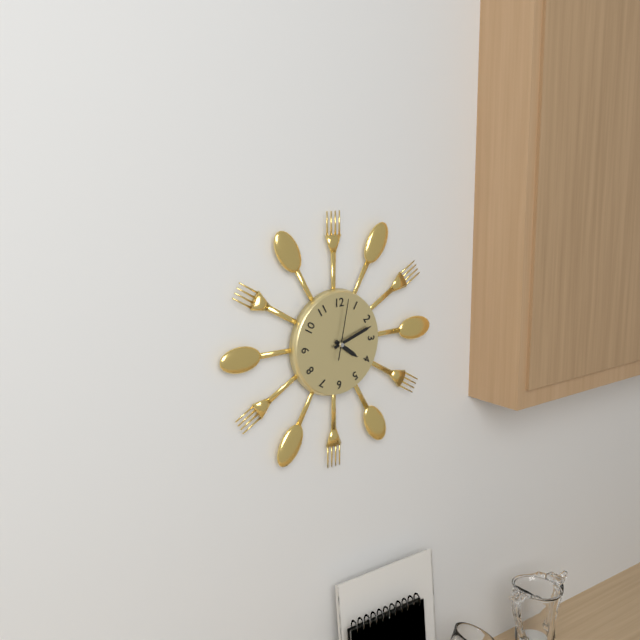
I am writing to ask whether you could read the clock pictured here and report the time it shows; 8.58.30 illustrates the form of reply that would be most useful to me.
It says 4.12.02
